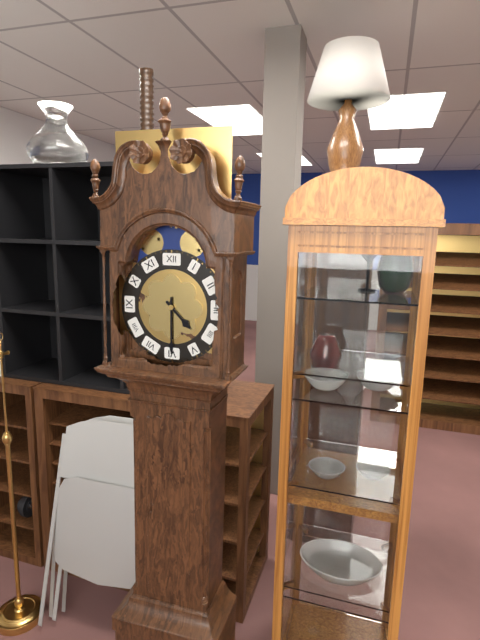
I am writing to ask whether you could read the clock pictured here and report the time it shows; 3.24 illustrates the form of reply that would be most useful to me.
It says 4.30
